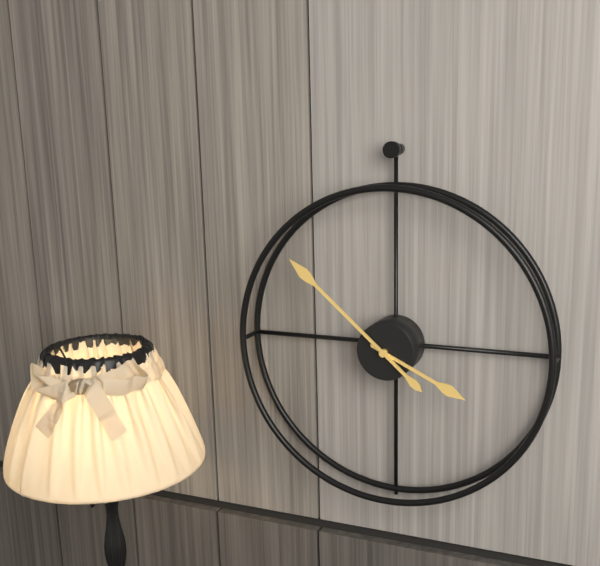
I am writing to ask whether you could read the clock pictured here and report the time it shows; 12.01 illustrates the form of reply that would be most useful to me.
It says 3.52
